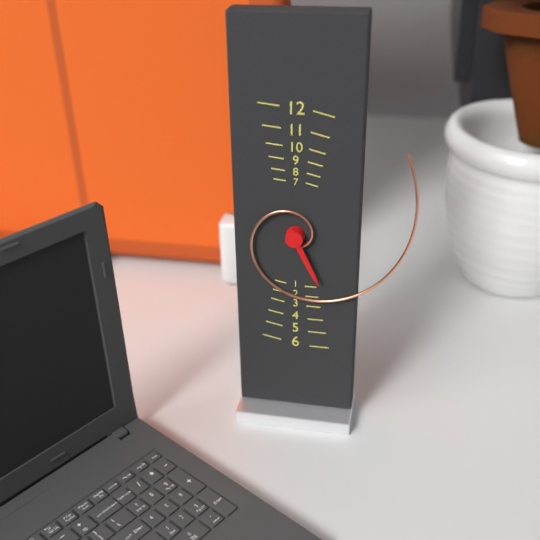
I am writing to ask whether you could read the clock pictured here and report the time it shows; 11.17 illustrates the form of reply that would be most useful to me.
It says 5.08
